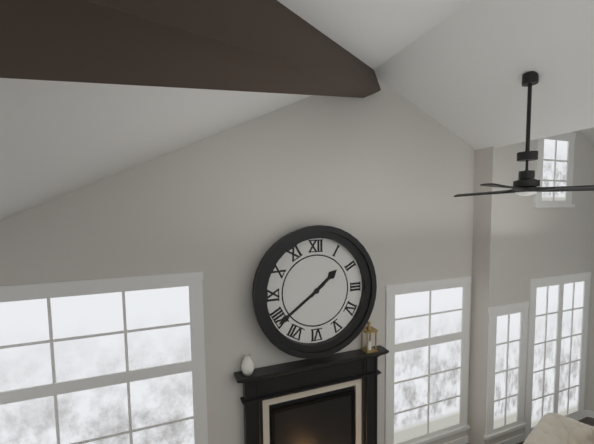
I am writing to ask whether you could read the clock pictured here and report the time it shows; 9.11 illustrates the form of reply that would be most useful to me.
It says 1.39
